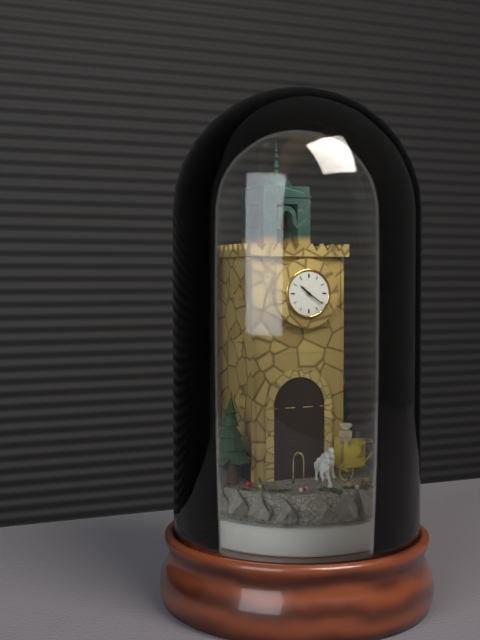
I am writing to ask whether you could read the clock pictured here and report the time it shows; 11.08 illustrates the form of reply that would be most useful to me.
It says 10.21
